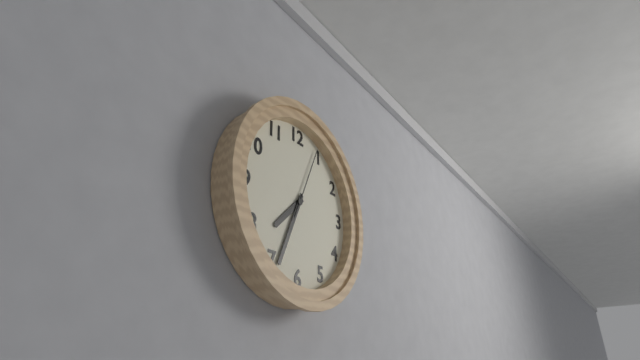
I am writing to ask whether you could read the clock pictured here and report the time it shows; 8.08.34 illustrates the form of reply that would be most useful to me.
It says 7.34.04
